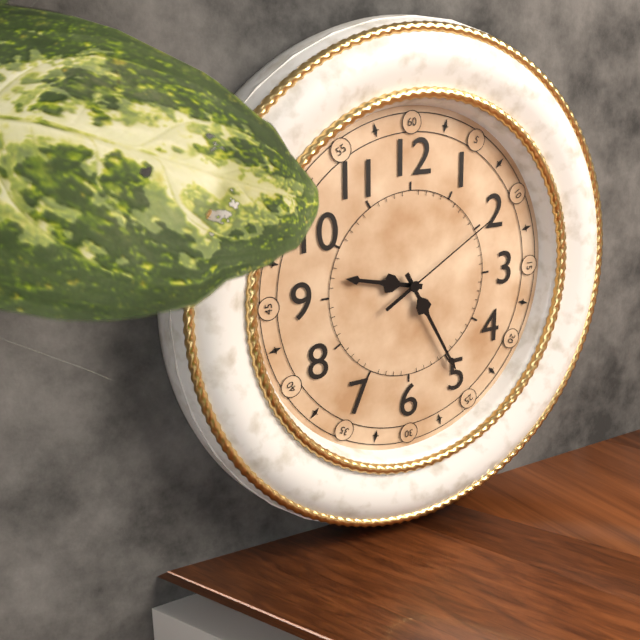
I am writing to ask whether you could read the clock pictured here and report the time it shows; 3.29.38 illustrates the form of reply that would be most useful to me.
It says 9.25.10
